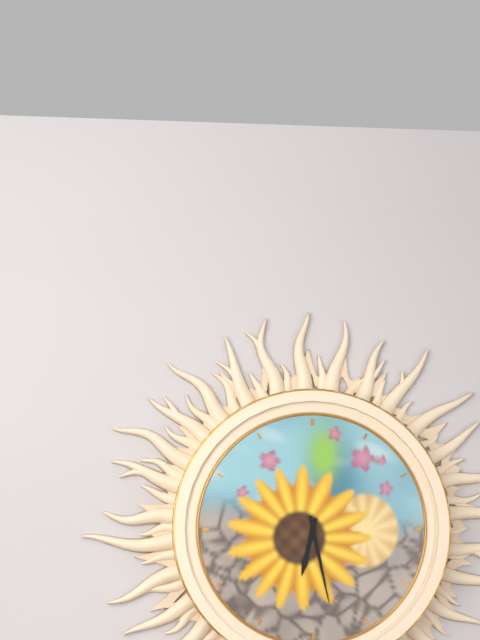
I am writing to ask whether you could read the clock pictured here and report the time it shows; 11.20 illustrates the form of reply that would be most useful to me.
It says 6.28
